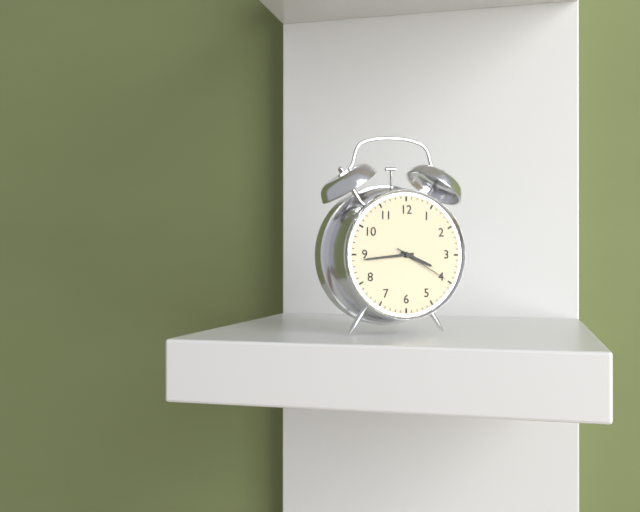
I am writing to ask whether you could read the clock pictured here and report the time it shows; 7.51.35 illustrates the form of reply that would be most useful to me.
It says 3.44.20
